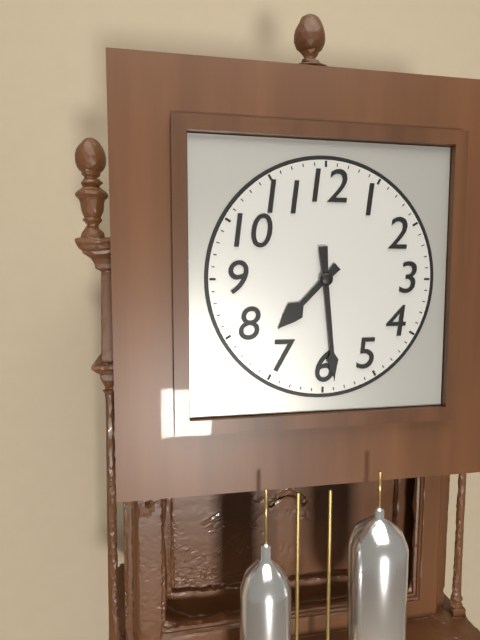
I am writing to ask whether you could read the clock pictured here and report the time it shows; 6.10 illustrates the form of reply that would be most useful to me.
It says 7.29
